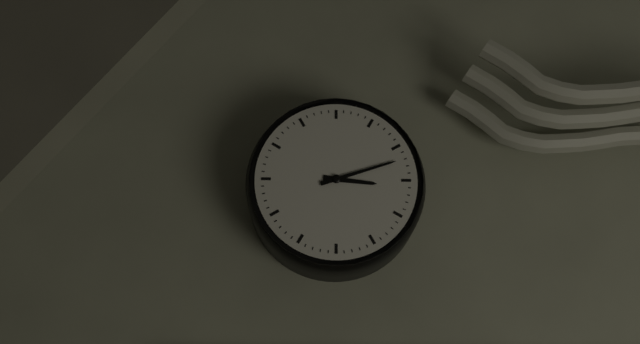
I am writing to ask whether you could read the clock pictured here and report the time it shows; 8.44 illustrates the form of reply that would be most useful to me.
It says 3.12
